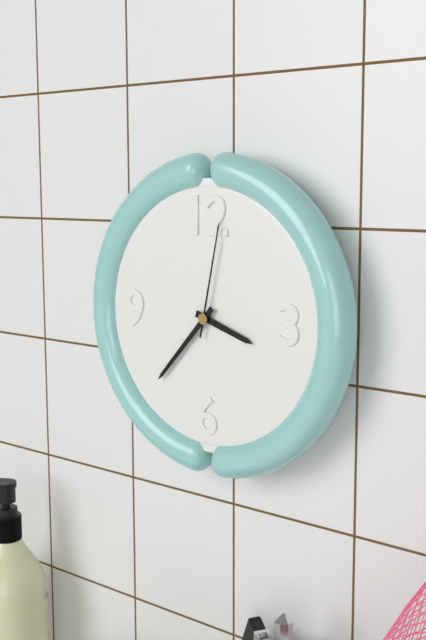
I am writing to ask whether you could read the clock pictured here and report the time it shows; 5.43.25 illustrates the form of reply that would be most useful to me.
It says 3.37.02
